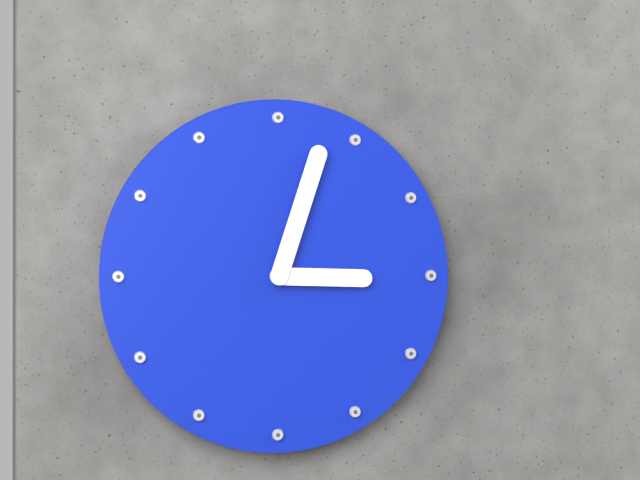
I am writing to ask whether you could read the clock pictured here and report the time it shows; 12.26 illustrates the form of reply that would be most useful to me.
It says 3.03
